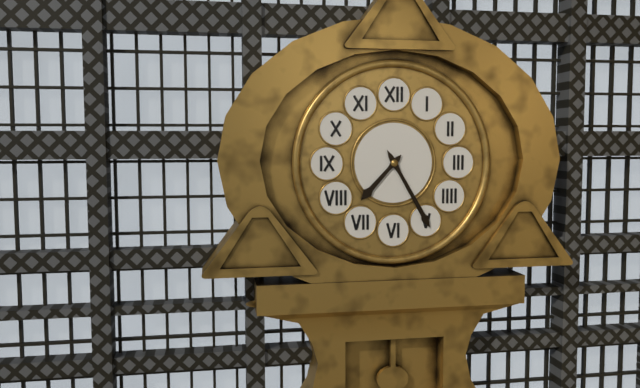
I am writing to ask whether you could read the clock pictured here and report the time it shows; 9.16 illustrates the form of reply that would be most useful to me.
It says 7.25
